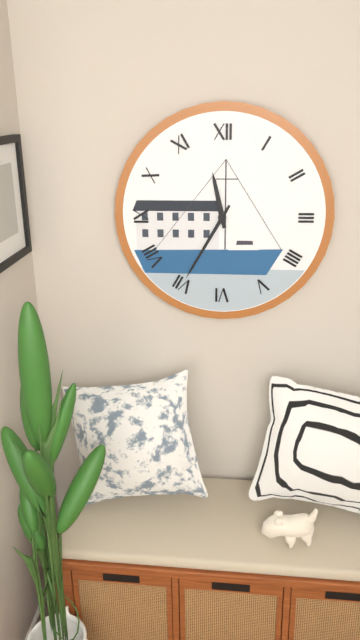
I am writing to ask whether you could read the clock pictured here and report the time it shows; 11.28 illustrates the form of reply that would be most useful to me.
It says 11.35
